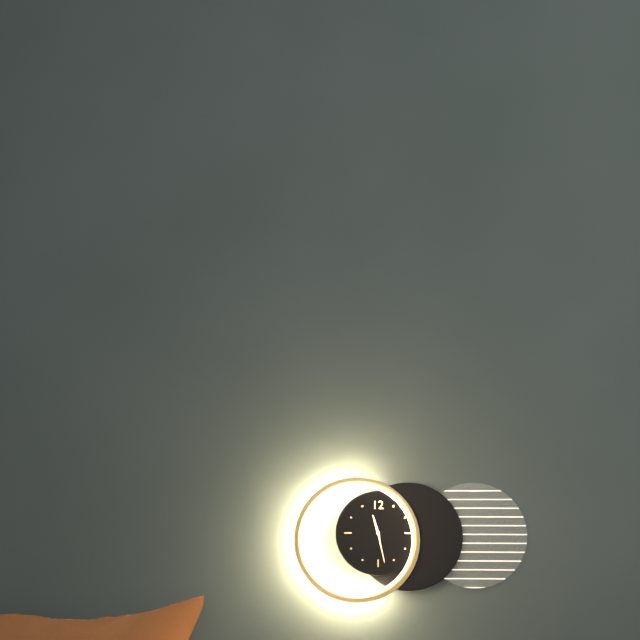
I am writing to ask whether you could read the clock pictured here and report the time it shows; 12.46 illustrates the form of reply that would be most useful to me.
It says 11.28
